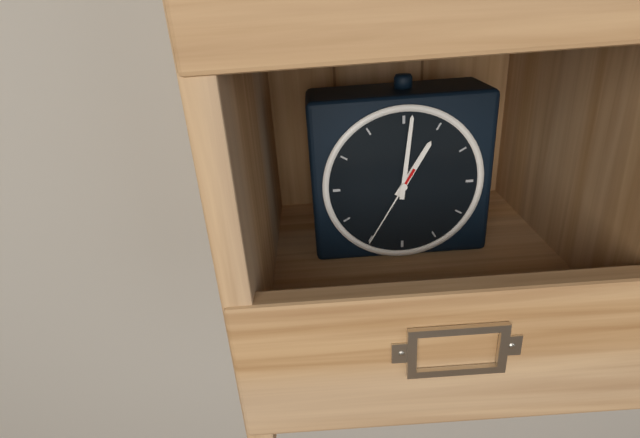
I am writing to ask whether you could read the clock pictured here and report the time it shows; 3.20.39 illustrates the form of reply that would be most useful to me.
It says 1.01.35
